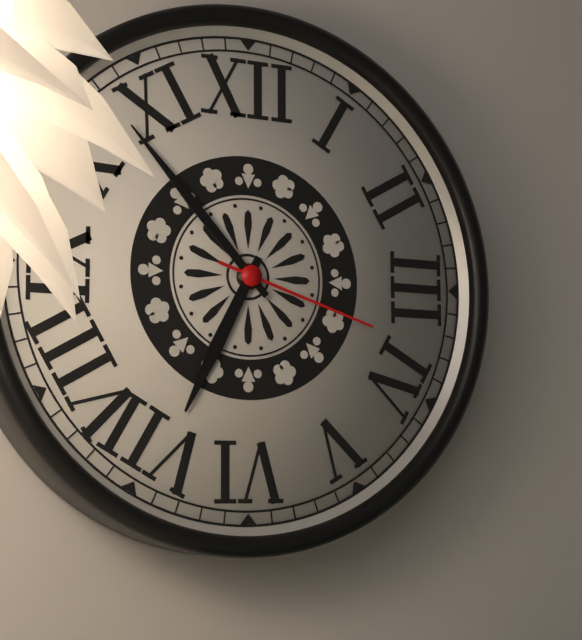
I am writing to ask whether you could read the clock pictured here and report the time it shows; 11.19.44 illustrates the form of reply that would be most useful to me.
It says 6.53.18
